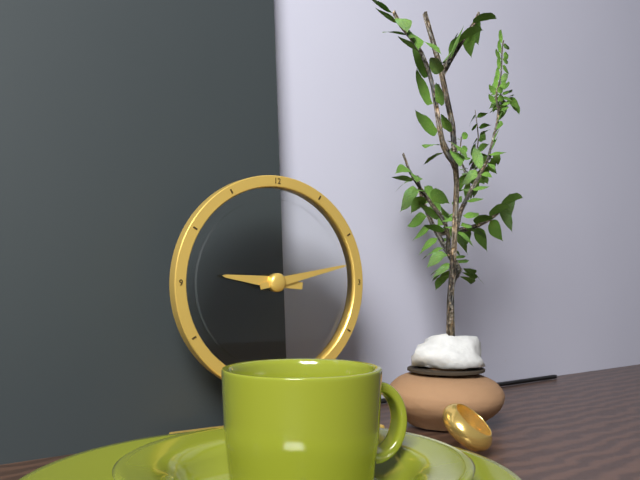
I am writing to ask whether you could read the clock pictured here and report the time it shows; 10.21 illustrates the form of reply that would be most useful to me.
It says 9.13
